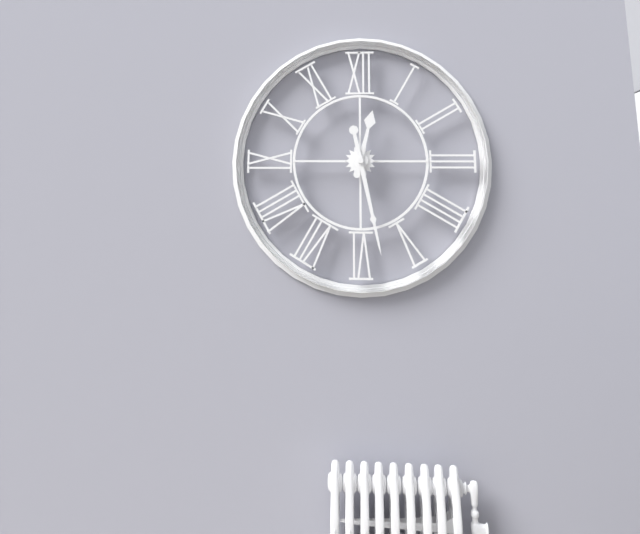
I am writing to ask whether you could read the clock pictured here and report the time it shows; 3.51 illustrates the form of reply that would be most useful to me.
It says 12.28
